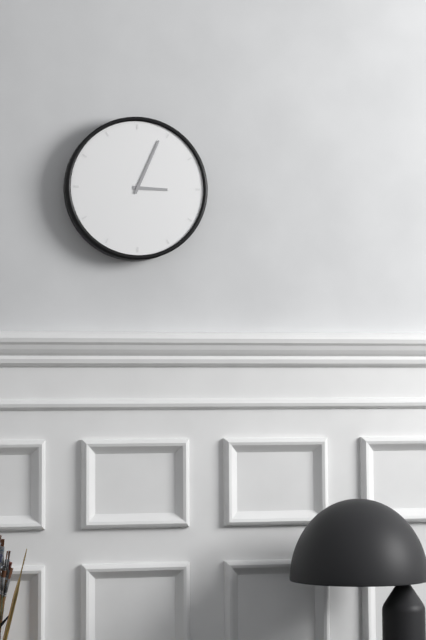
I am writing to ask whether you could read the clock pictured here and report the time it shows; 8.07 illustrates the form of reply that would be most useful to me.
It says 3.04
